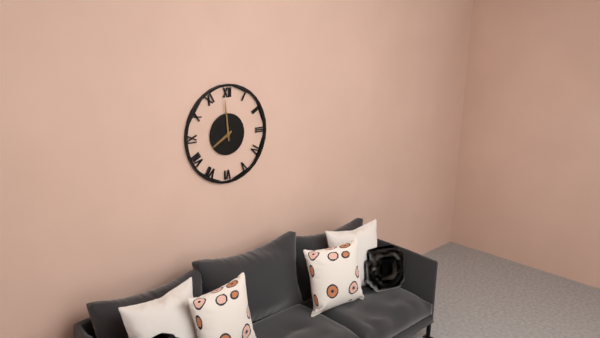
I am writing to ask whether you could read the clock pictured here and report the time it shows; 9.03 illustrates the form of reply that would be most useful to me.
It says 7.59
